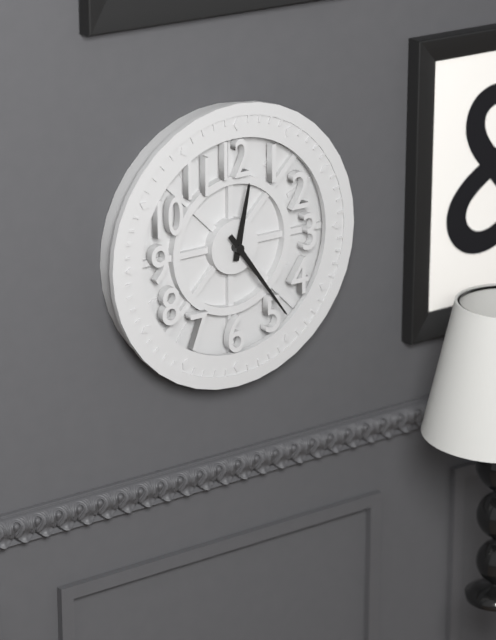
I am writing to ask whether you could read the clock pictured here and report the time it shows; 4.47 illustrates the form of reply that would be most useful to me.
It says 12.24
